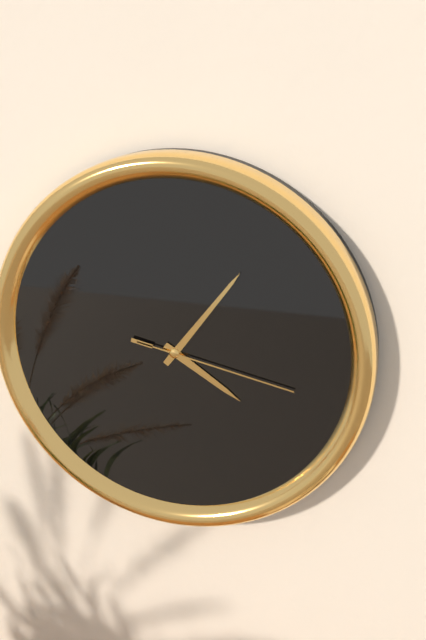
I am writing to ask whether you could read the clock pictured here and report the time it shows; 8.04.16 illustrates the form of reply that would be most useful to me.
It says 4.06.17
